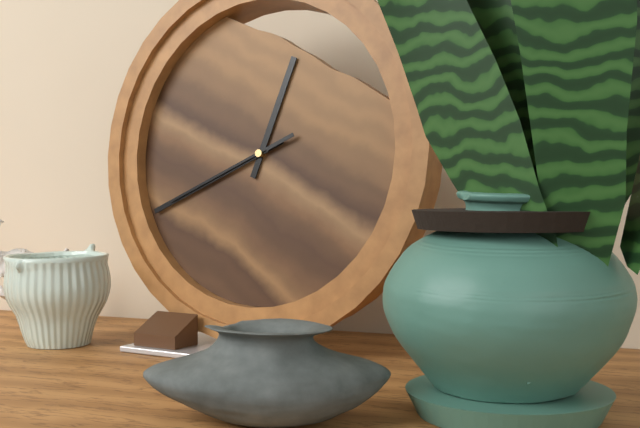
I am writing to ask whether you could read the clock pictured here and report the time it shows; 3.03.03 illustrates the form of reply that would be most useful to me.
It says 12.41.41
